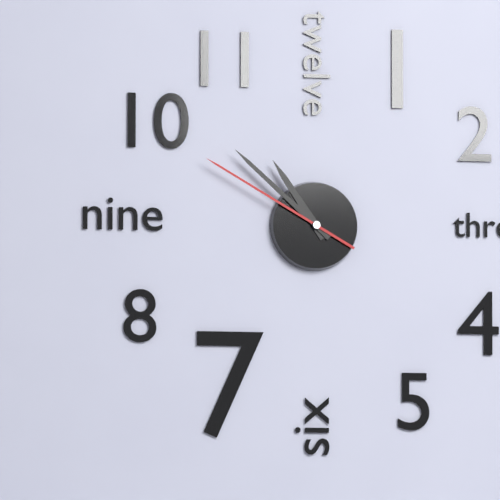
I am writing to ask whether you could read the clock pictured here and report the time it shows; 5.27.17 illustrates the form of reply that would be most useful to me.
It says 10.52.50
